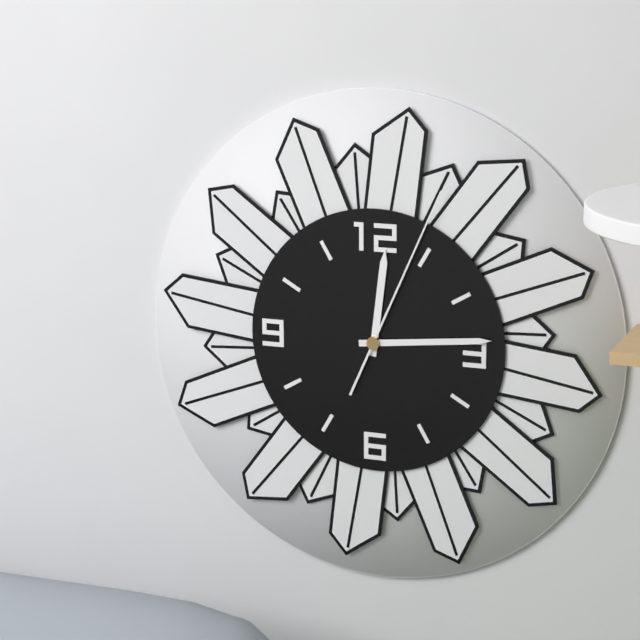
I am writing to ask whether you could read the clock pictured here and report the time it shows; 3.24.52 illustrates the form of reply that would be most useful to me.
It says 12.14.04
